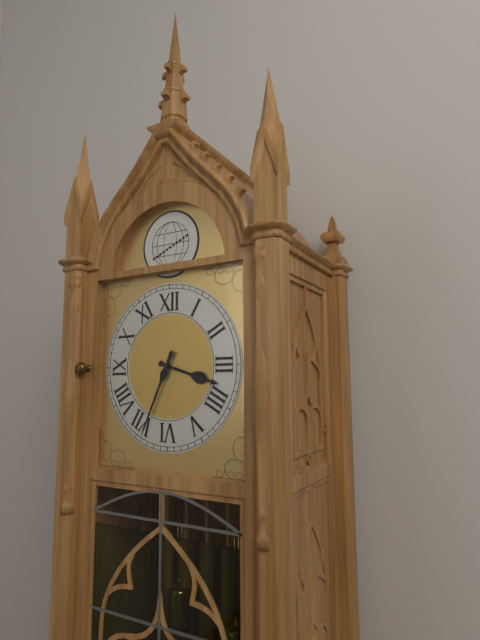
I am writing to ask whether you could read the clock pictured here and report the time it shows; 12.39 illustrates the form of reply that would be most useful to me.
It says 3.34
